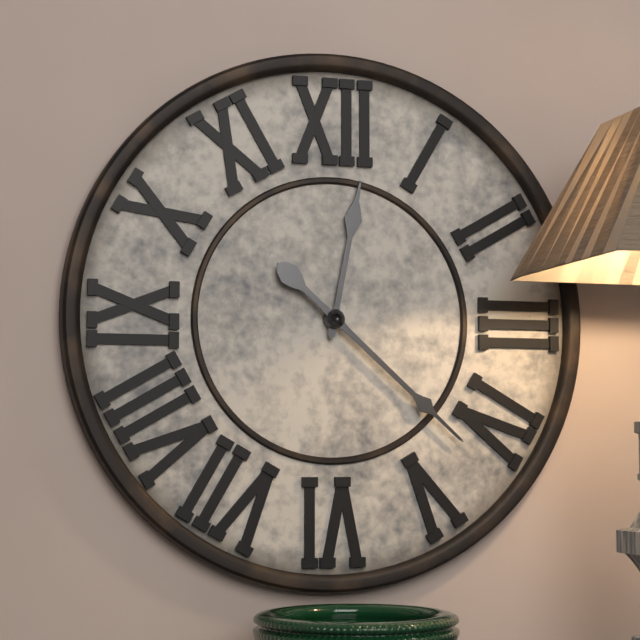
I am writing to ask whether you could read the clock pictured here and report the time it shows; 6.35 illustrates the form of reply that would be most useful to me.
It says 12.22
